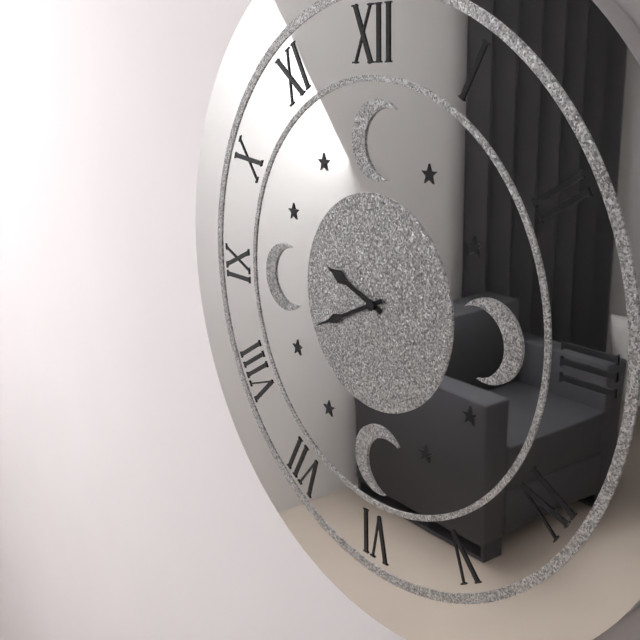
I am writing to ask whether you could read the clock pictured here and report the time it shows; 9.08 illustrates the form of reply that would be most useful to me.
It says 9.41
